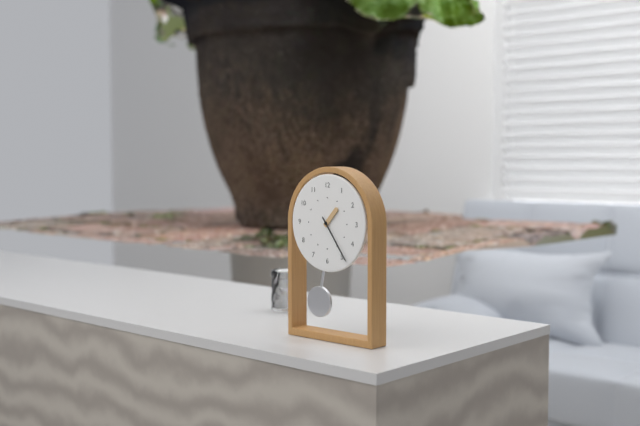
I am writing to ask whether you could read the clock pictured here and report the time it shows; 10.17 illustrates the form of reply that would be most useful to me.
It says 1.24
